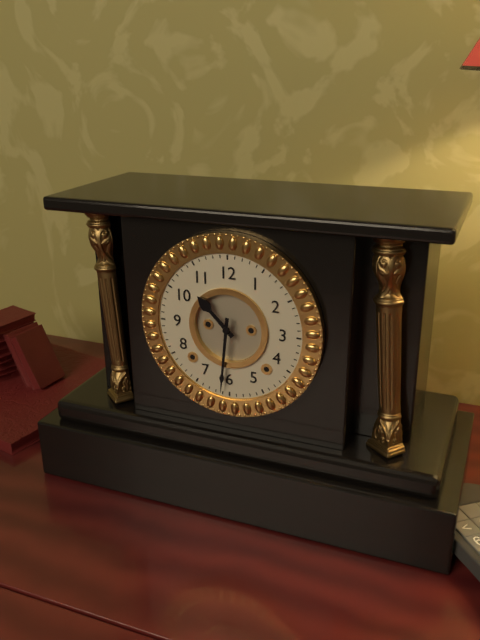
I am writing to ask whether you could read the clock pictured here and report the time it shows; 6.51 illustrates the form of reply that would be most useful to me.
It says 10.31
